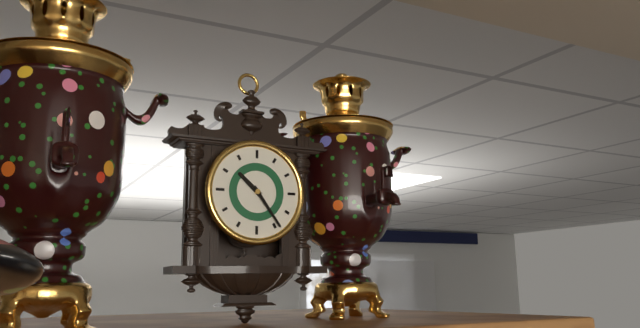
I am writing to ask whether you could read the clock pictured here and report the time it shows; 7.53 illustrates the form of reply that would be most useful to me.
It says 10.24
